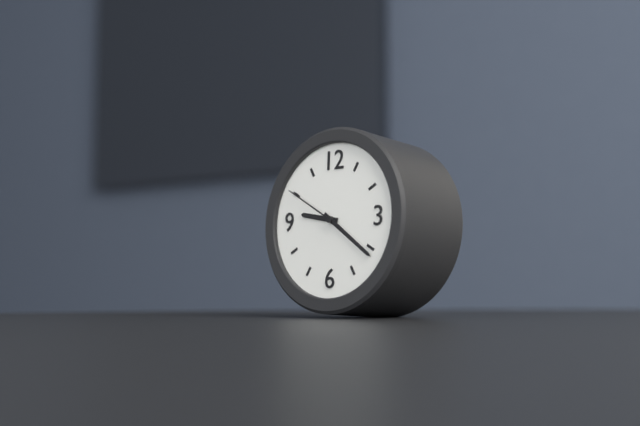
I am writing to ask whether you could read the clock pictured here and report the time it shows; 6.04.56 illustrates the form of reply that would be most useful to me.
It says 9.21.50
